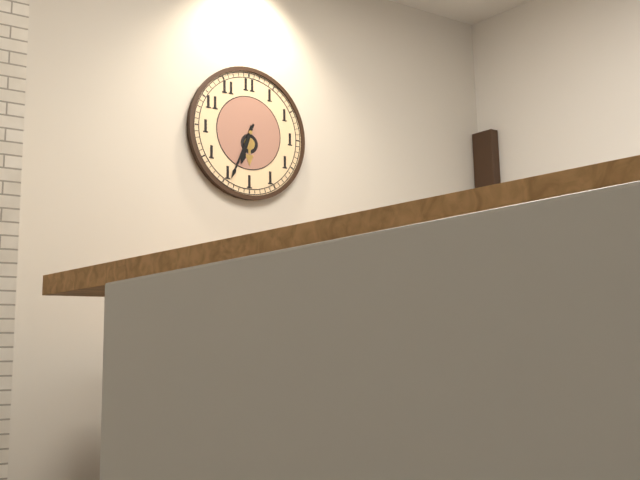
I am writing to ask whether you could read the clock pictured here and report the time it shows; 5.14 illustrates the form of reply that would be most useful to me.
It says 6.34
